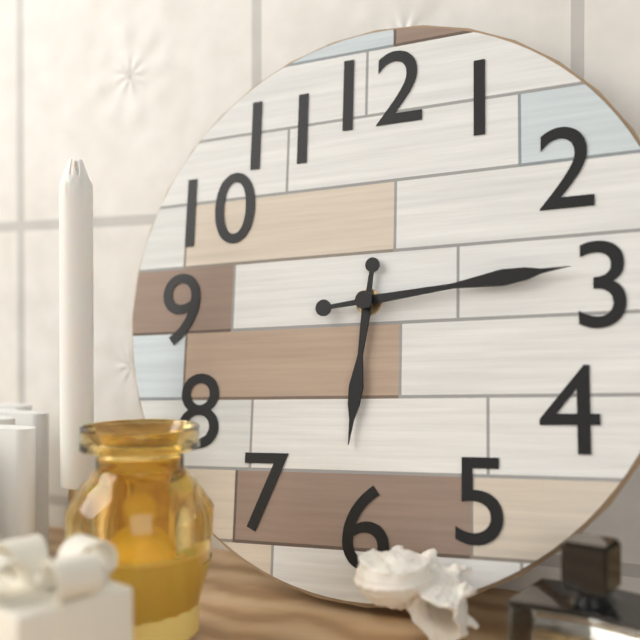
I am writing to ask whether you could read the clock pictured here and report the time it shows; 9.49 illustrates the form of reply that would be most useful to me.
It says 6.14
